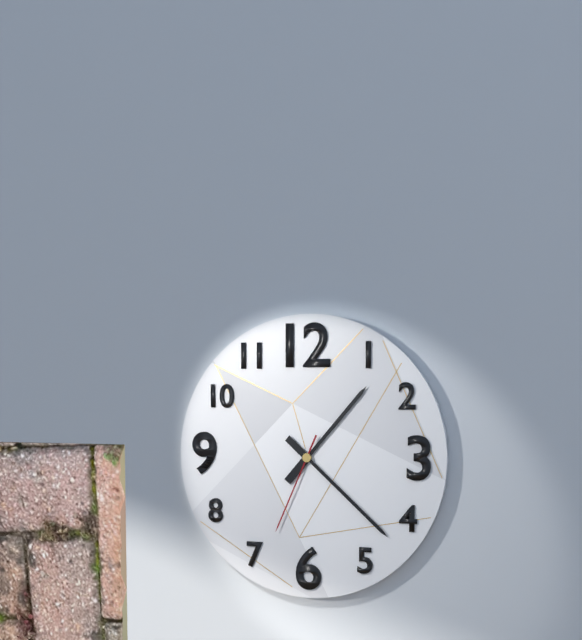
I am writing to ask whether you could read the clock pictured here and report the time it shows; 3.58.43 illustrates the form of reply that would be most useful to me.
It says 1.22.34
